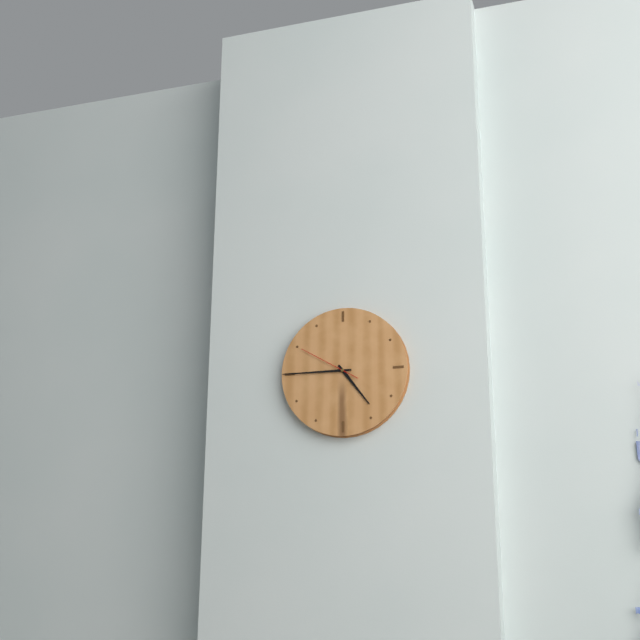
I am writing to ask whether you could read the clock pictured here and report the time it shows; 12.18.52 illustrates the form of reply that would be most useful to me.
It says 4.45.50
